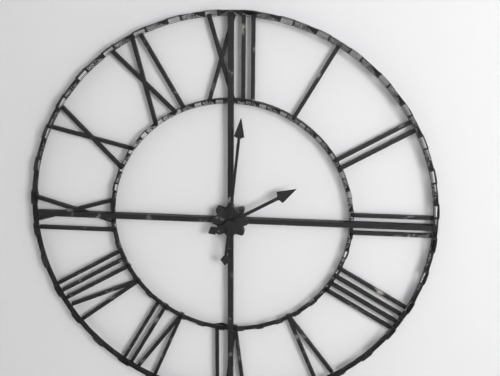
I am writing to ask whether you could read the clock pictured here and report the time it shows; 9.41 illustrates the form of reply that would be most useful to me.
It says 2.01
